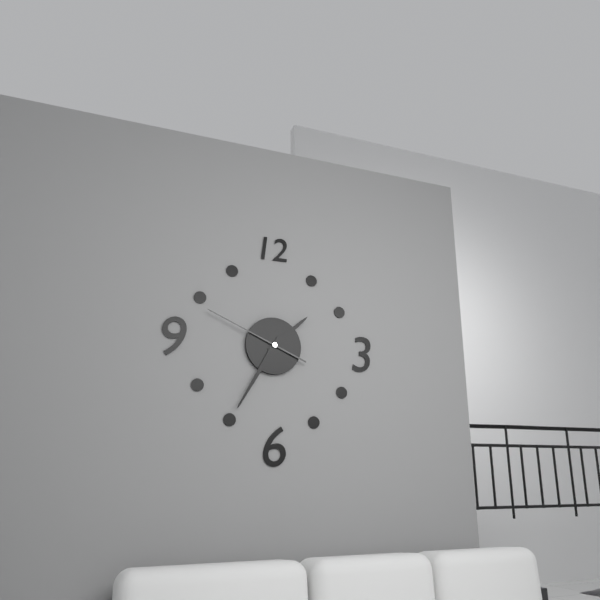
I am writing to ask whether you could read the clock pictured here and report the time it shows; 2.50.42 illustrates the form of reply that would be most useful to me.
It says 1.35.49
